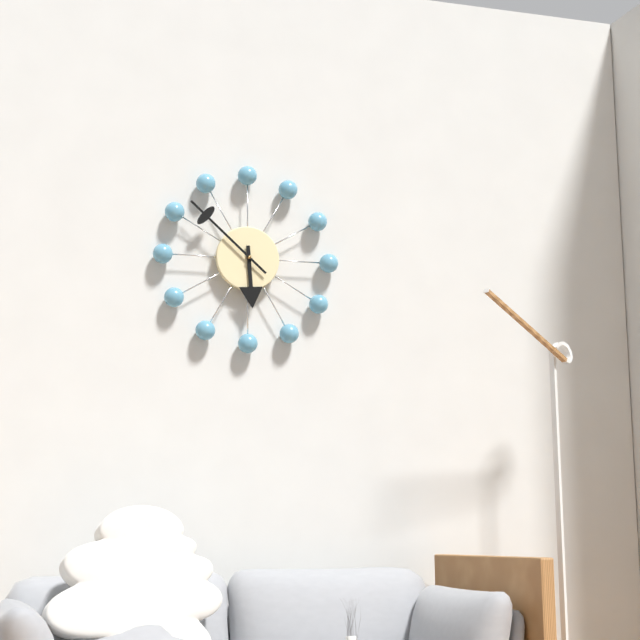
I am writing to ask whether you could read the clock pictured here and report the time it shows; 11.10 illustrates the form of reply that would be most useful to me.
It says 5.52
